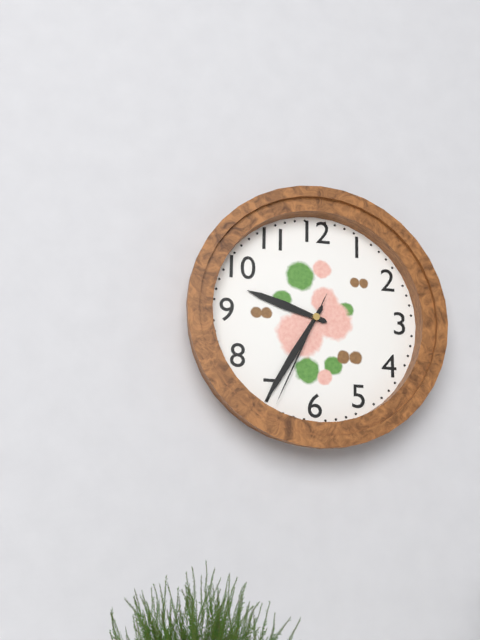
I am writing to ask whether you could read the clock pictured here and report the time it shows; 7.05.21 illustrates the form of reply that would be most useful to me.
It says 9.35.34
